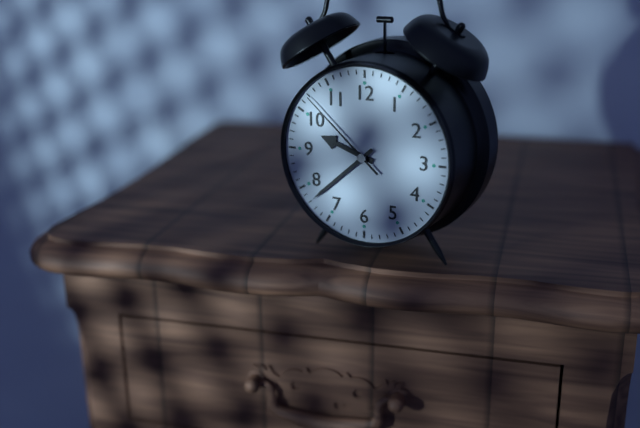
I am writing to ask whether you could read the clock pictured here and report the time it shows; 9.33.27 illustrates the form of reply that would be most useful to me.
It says 9.38.52
